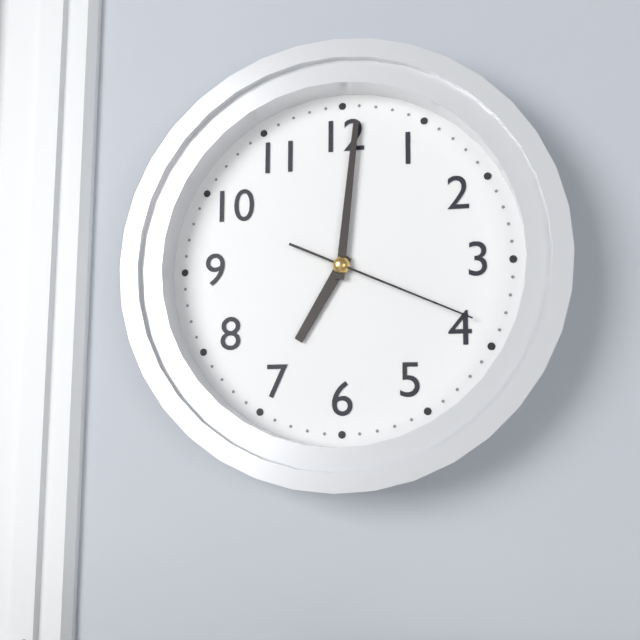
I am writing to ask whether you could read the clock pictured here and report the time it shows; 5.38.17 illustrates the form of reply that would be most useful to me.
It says 7.01.19
